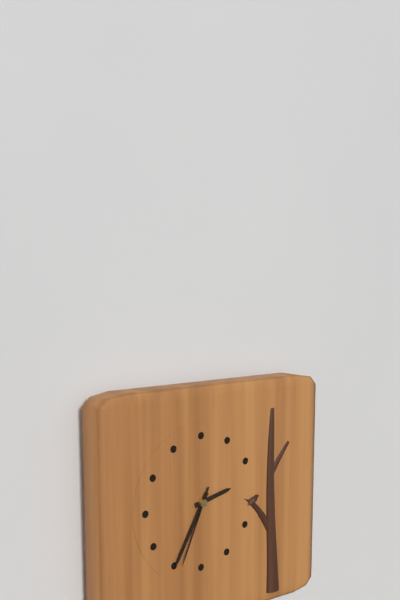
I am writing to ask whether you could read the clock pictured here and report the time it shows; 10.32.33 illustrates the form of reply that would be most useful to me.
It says 2.35.34
